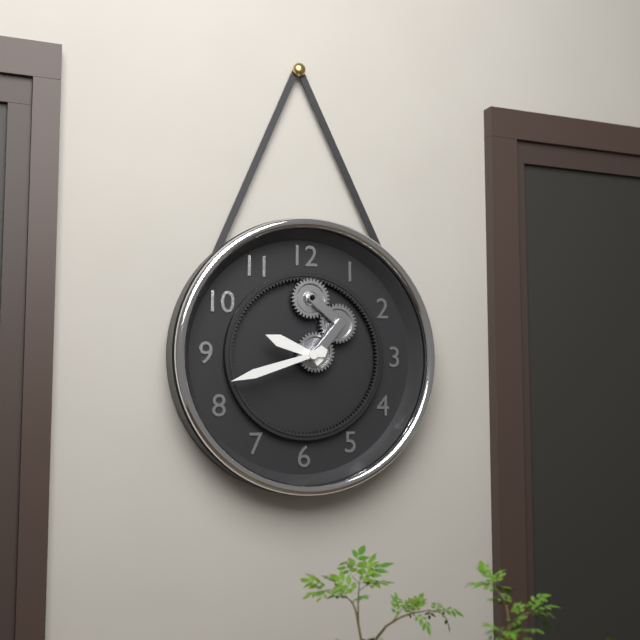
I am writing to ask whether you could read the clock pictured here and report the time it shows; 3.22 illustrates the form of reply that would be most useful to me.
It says 9.42
